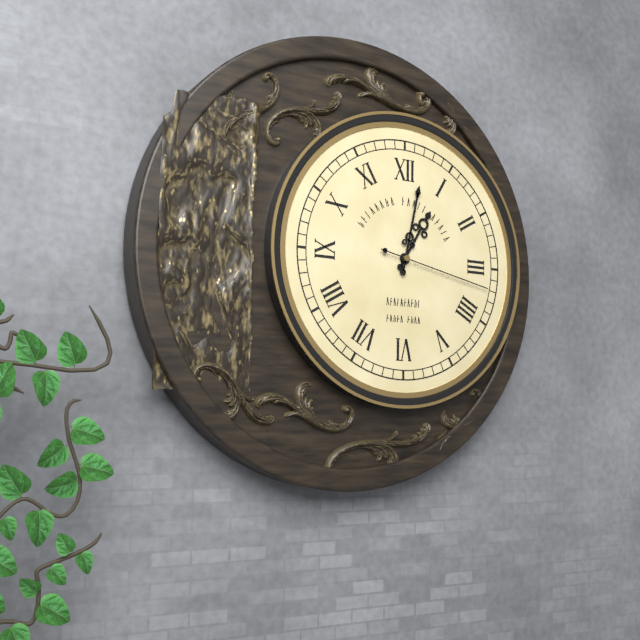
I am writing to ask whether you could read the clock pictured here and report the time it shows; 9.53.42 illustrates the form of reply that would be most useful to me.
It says 1.02.17
